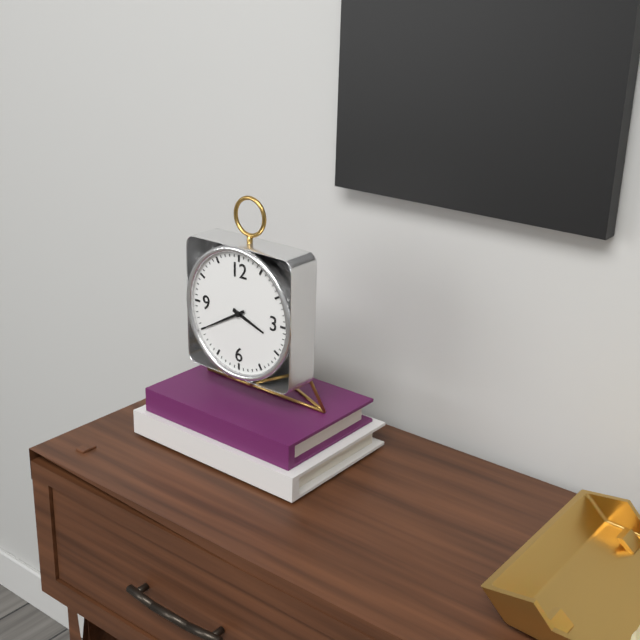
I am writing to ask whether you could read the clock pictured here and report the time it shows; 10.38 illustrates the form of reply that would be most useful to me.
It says 3.40
